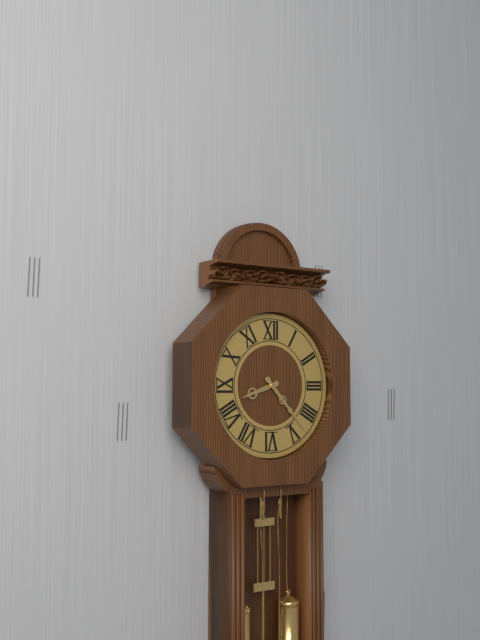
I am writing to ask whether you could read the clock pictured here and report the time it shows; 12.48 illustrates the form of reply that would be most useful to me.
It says 8.23
